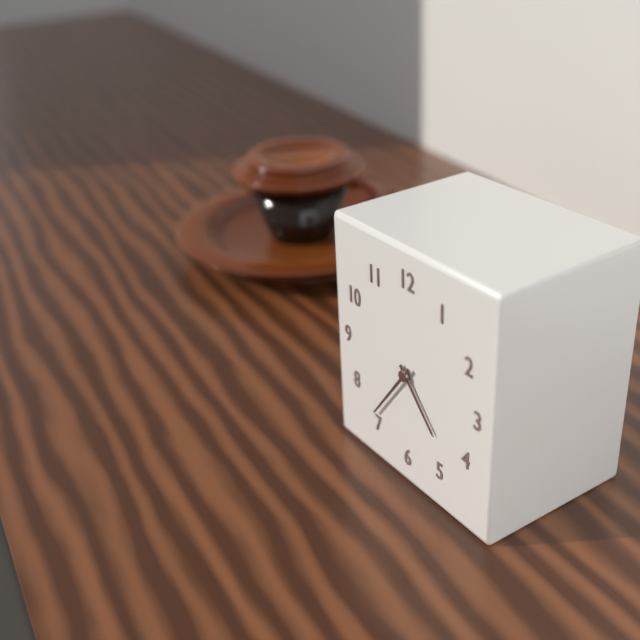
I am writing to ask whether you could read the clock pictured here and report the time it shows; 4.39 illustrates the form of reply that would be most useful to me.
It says 4.36
